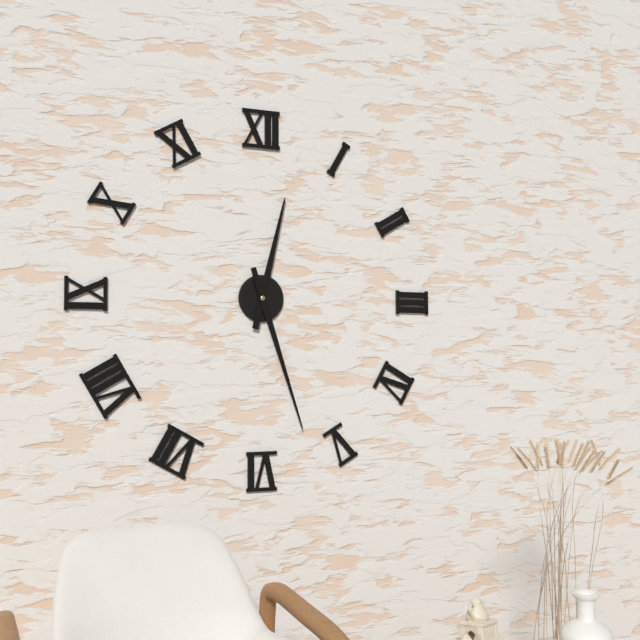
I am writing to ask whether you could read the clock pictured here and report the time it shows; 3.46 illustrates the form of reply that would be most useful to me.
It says 12.27
